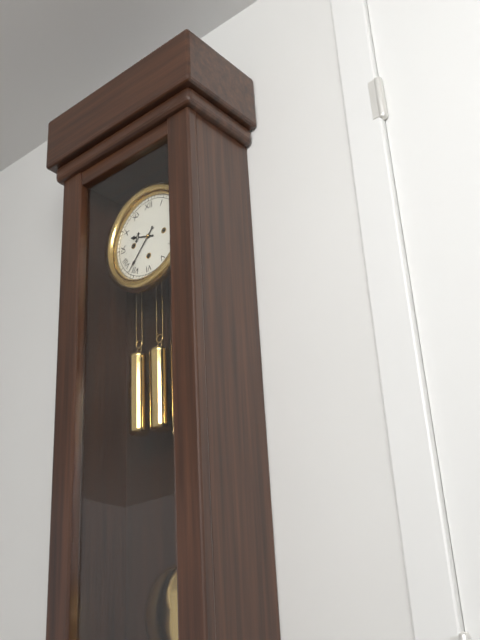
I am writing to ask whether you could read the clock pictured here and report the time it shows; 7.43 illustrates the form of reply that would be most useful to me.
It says 9.37
